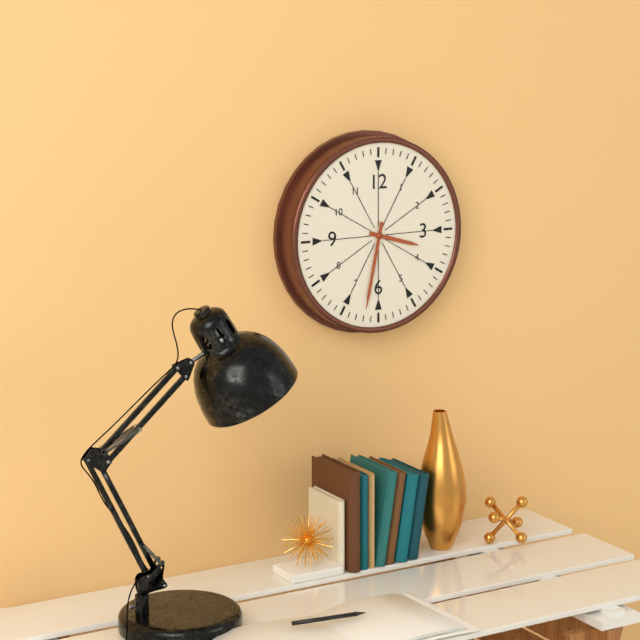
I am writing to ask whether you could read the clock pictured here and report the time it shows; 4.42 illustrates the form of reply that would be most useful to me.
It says 3.32
